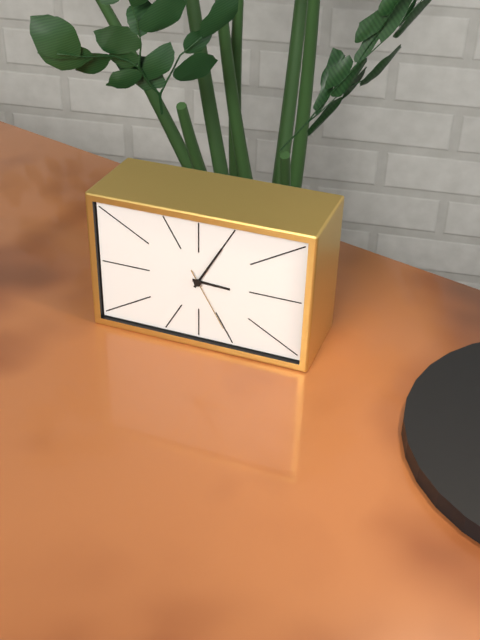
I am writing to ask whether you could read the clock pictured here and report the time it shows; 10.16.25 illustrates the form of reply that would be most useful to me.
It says 3.05.25
